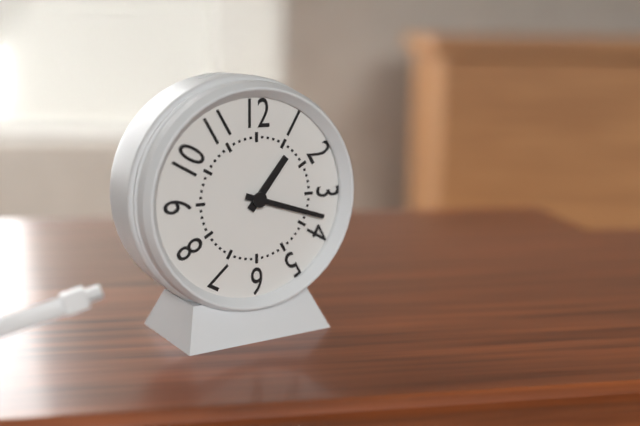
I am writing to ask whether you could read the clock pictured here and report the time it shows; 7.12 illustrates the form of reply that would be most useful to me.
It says 1.18
